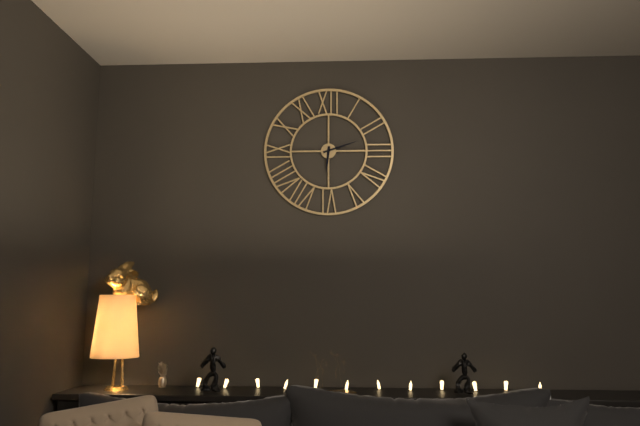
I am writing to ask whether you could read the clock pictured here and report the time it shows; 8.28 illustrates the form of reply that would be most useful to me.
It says 6.12
